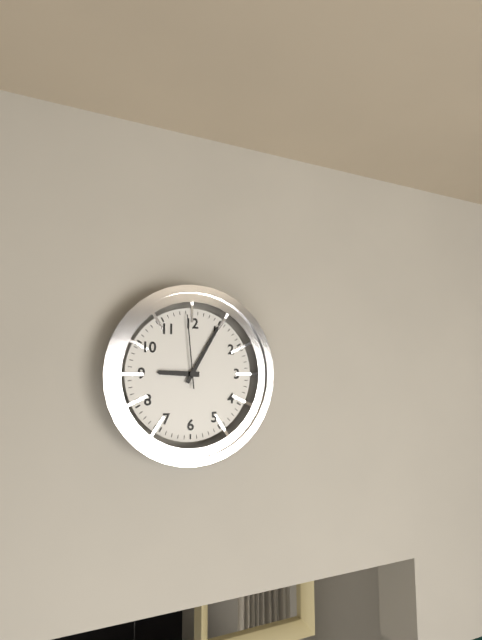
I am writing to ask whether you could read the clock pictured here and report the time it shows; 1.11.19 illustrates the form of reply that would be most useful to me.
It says 9.05.59
